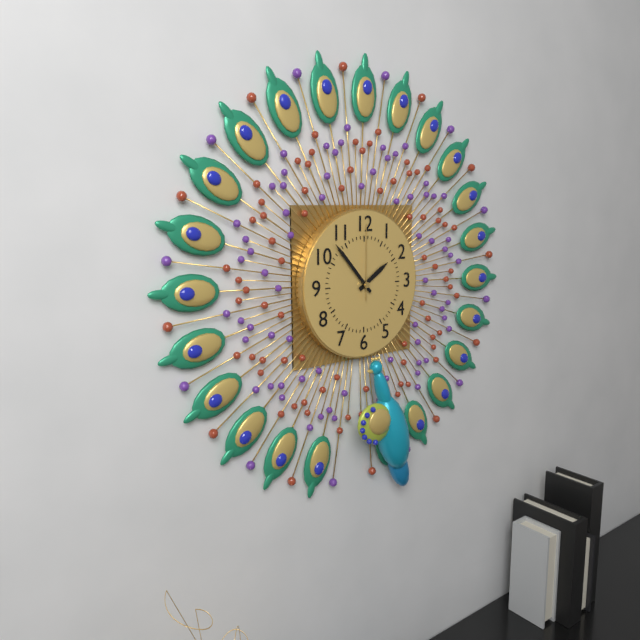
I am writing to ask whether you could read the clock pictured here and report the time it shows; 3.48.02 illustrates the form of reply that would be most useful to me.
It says 1.53.00
